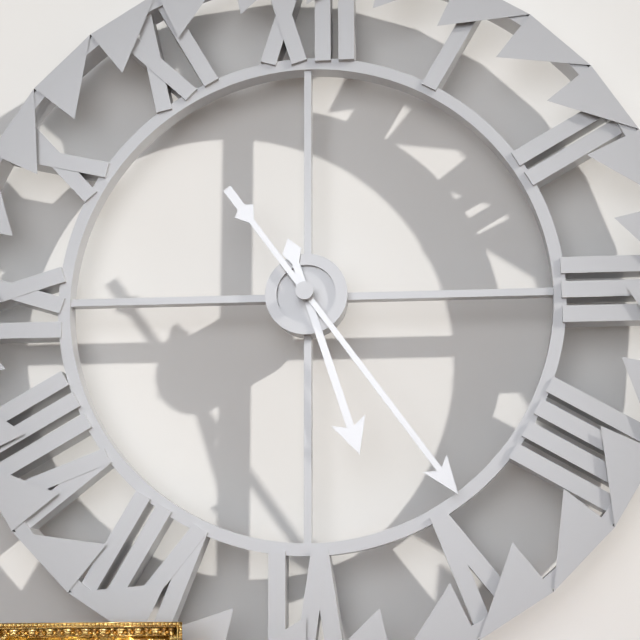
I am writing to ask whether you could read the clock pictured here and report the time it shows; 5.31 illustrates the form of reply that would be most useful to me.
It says 5.24
